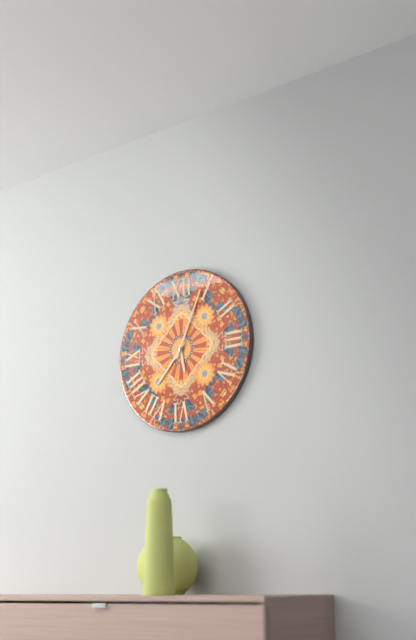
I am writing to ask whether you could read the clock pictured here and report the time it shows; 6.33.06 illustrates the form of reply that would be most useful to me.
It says 5.37.04
